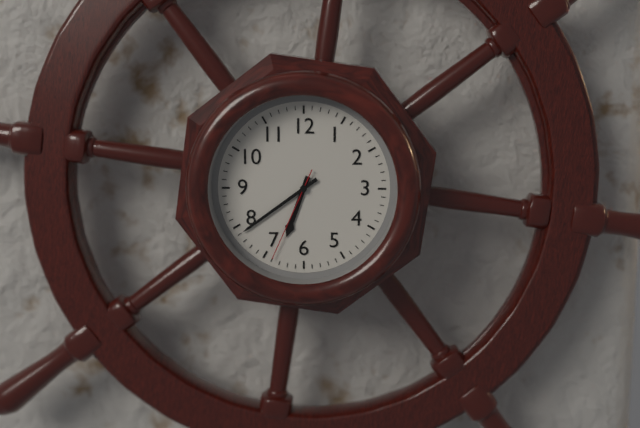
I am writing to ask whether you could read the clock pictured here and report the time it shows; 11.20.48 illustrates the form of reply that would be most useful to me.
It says 6.39.34
